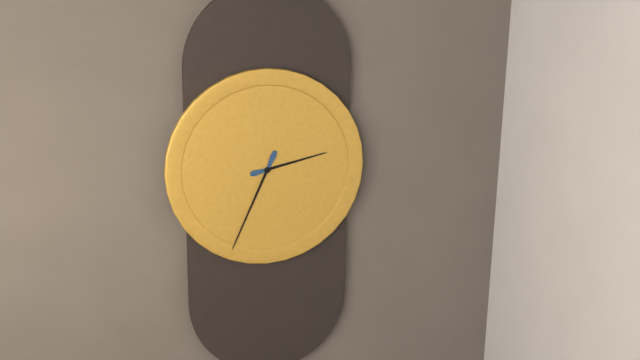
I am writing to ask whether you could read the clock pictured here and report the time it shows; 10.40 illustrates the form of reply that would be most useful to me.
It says 2.34
